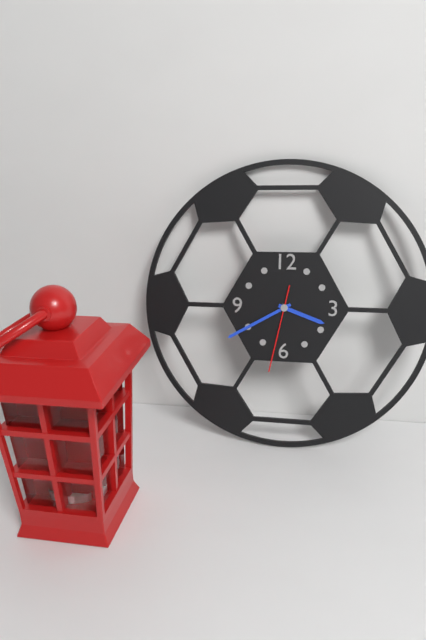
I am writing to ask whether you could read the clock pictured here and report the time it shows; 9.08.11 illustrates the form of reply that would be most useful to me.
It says 3.40.32
